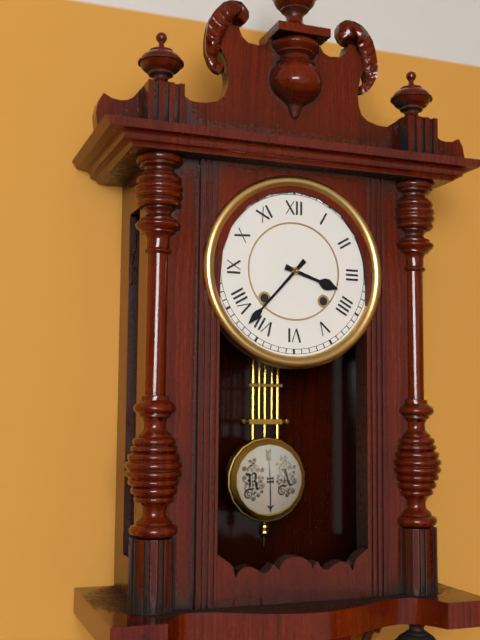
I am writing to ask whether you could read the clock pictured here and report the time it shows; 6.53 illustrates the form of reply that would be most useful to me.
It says 3.37
